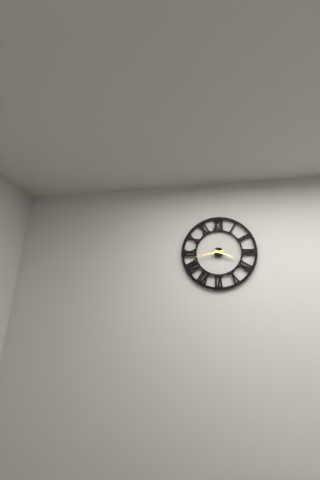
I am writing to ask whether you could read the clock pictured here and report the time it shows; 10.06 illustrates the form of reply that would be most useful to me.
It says 3.43
